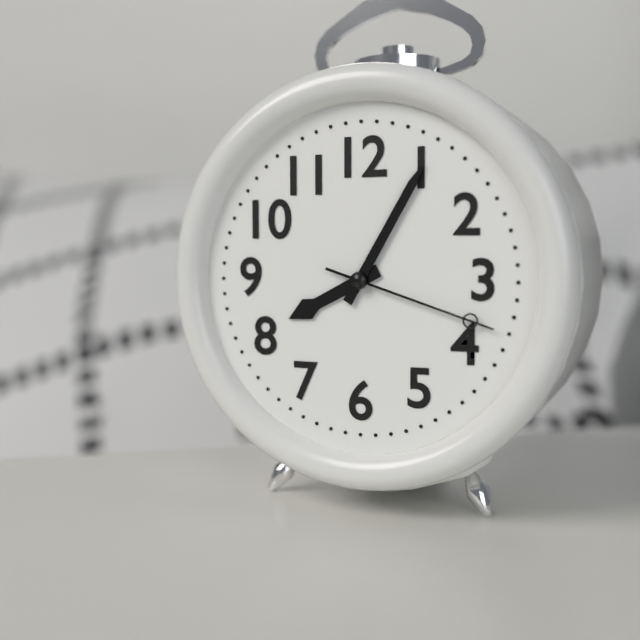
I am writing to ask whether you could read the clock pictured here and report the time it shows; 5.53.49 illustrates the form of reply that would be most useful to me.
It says 8.05.18
